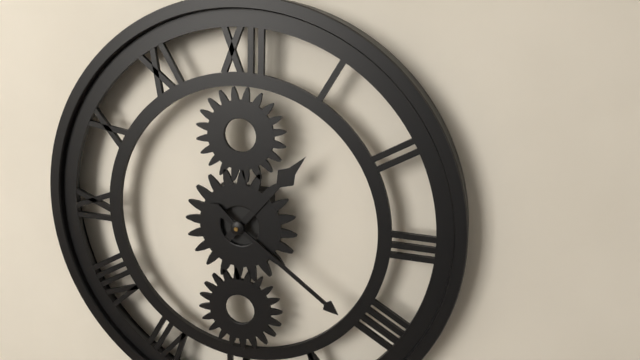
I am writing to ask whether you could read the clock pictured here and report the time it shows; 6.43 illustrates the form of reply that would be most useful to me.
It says 1.21
